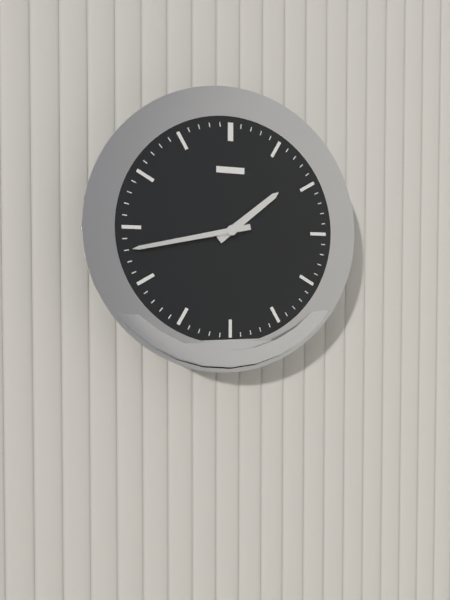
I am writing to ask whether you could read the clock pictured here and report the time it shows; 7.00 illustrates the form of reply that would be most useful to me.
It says 1.43
